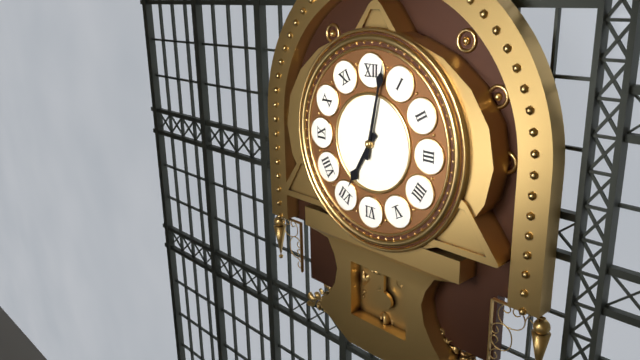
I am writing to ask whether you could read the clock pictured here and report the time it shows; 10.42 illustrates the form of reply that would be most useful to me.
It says 7.02
